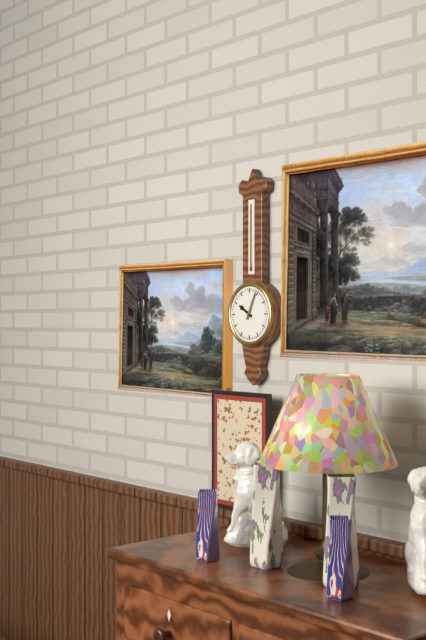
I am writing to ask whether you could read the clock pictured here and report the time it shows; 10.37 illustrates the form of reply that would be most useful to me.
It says 10.04
